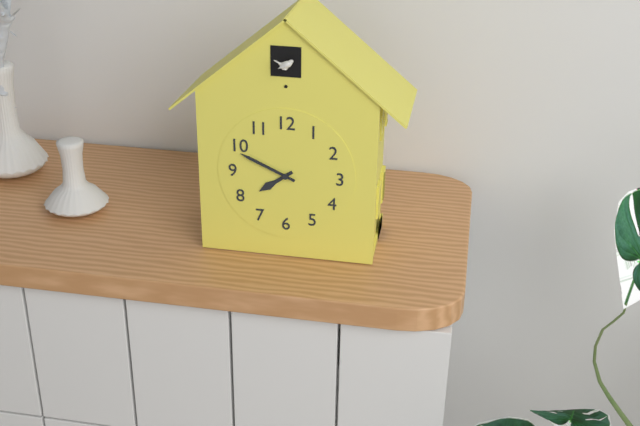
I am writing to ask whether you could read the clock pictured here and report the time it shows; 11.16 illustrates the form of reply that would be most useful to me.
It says 7.49
